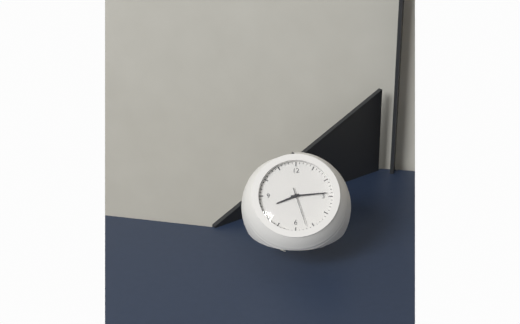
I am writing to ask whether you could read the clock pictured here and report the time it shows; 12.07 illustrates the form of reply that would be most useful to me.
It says 8.14
